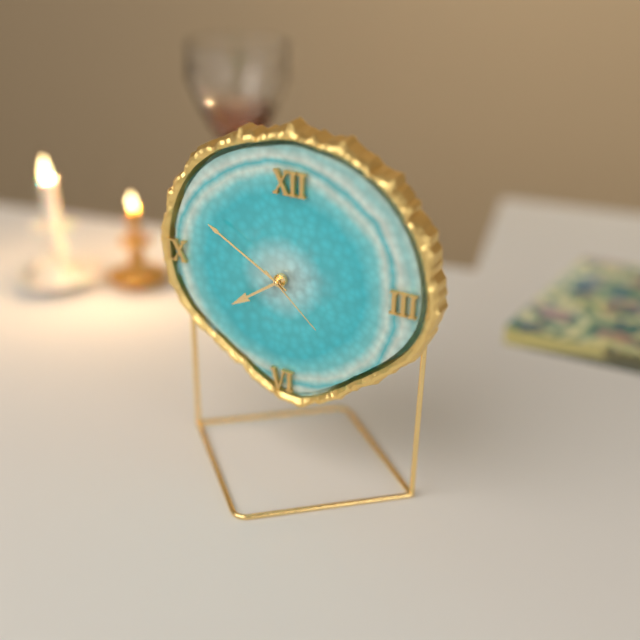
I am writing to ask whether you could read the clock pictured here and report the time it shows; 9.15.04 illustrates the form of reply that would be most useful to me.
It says 7.50.22
